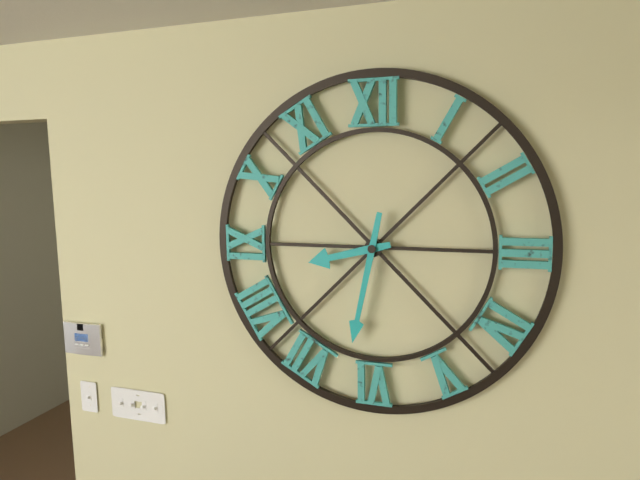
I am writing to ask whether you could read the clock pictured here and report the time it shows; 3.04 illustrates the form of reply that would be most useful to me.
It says 8.32
